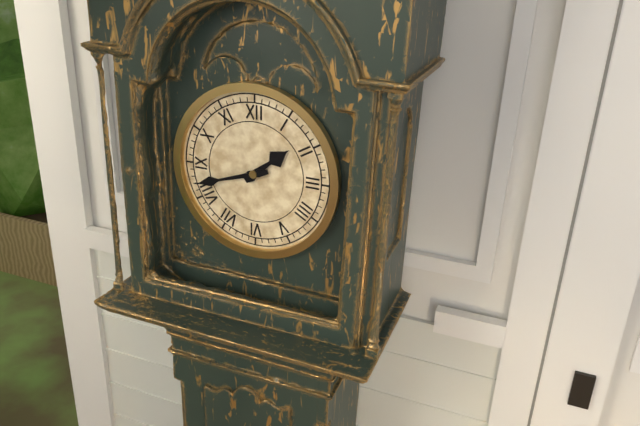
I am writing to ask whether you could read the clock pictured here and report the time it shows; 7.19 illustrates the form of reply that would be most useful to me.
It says 1.42
